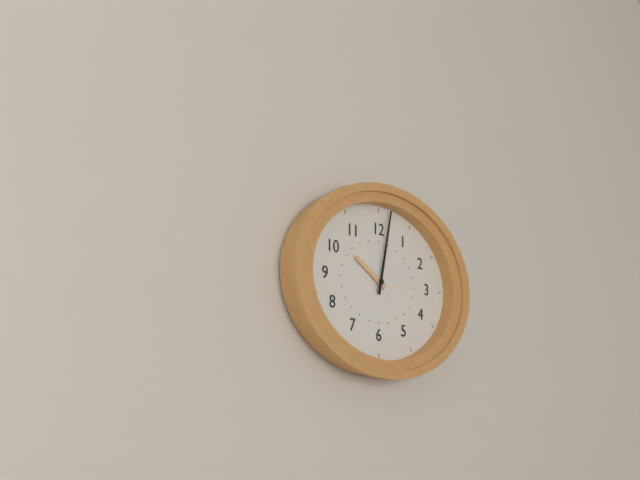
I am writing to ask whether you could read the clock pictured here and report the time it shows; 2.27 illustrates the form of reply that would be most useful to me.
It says 10.02
